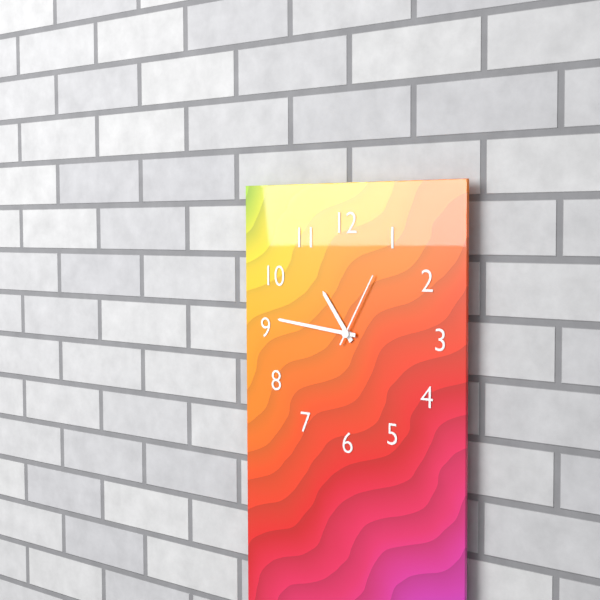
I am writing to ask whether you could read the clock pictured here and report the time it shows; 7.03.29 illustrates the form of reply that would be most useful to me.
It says 10.46.05
